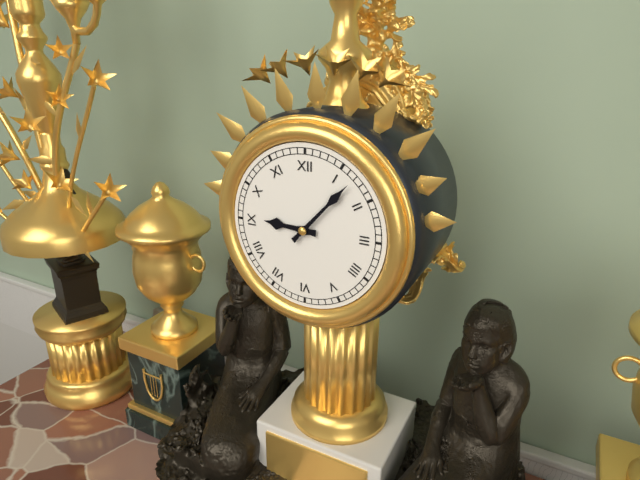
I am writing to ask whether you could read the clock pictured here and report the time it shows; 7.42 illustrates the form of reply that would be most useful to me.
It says 9.07
